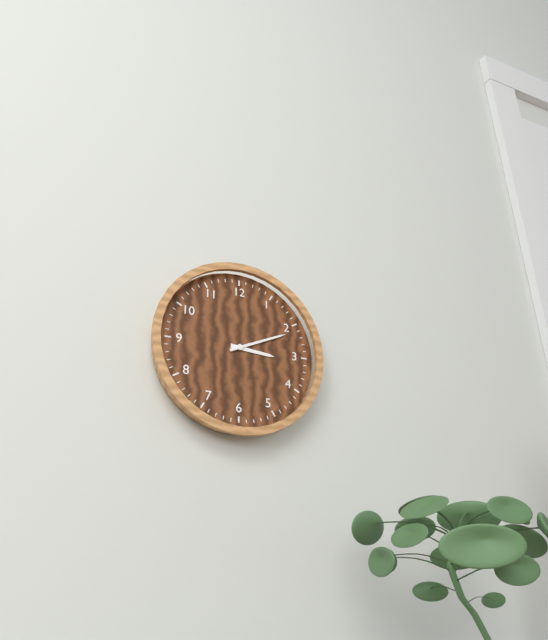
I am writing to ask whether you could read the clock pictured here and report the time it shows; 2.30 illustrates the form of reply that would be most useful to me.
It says 3.11
